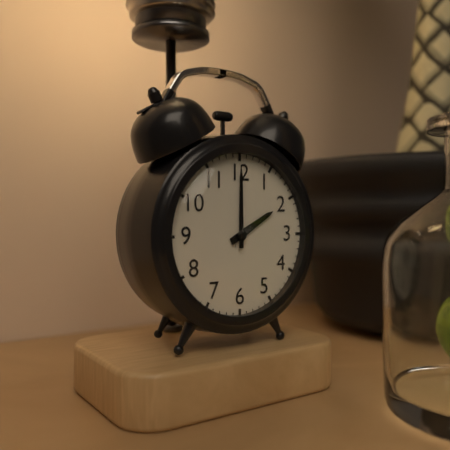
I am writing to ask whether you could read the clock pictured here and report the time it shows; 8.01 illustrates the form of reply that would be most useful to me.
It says 2.00
